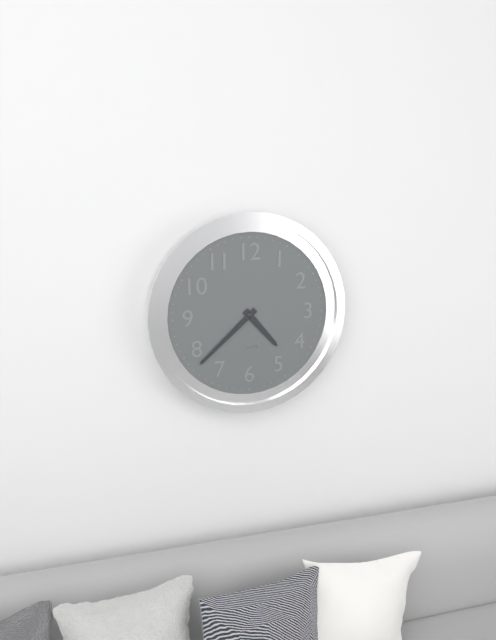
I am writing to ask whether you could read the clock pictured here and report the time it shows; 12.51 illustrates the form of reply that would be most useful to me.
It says 4.38
